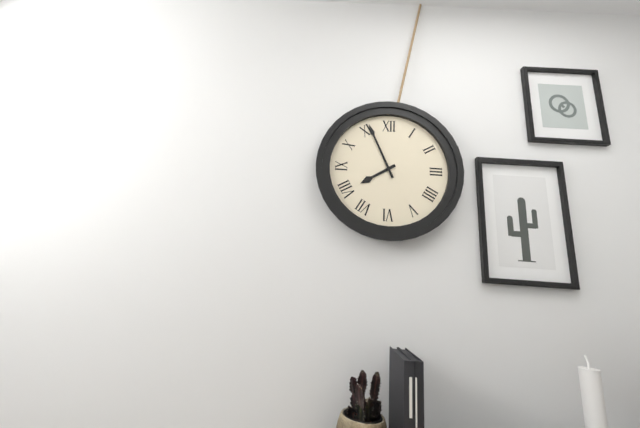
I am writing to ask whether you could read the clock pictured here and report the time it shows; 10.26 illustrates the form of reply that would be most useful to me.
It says 7.56
